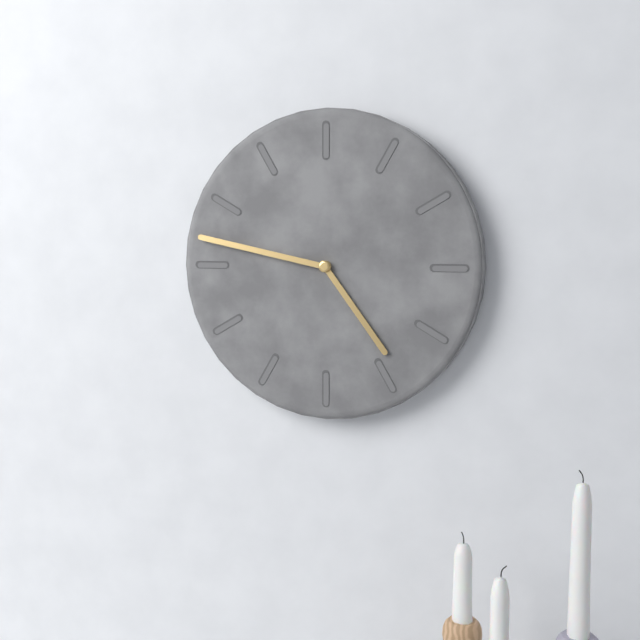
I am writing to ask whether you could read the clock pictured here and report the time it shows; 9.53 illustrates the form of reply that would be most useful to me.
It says 4.47
